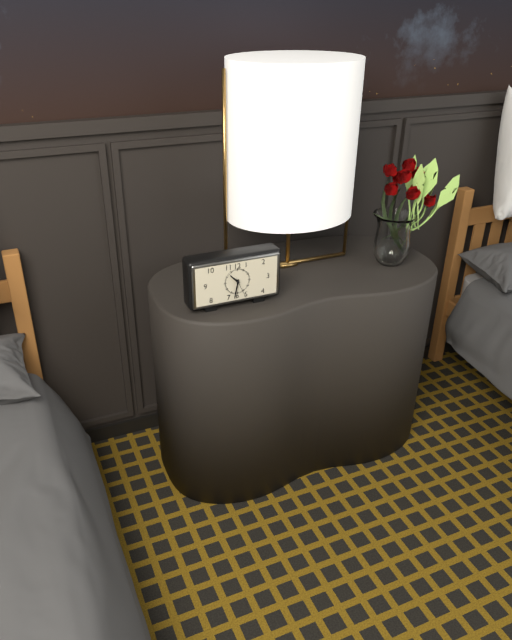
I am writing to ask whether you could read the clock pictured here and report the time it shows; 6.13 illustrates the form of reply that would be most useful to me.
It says 10.32
